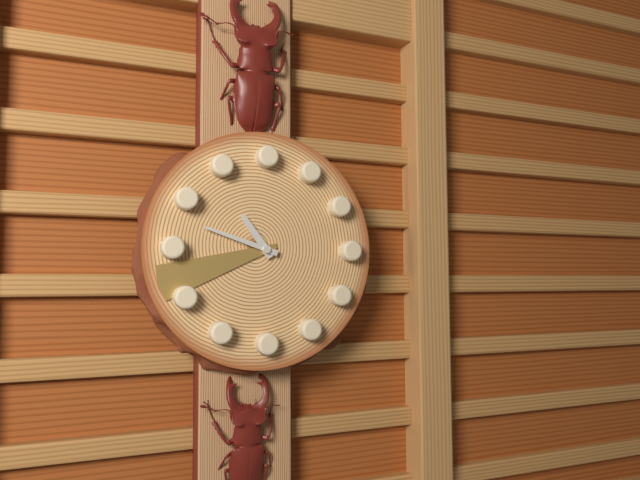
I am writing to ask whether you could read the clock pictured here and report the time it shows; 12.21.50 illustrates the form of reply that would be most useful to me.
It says 10.48.42
